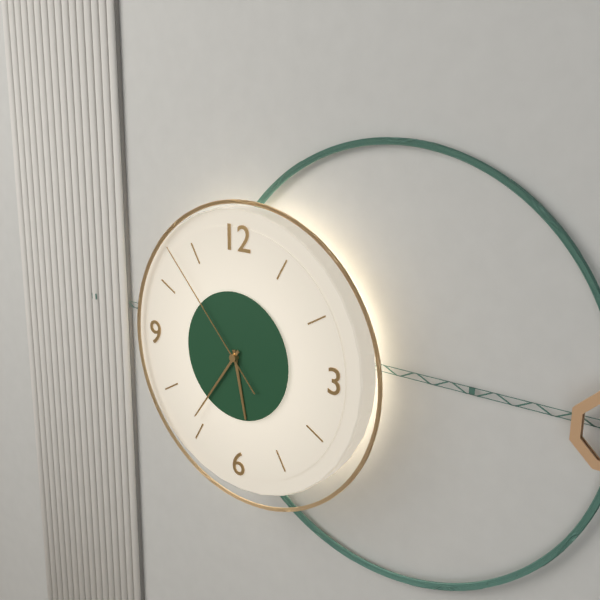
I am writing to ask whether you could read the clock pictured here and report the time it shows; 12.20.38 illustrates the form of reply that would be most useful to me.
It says 5.36.53
